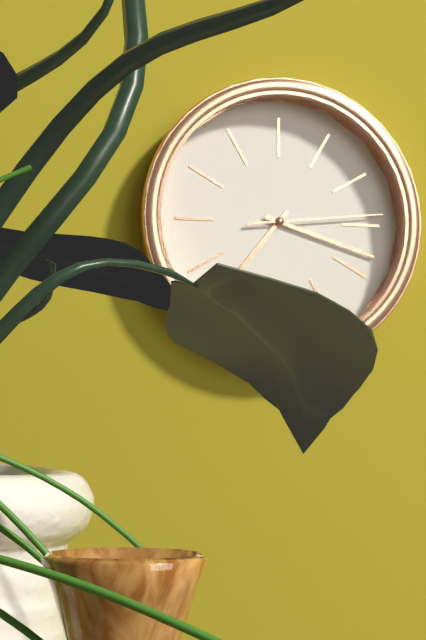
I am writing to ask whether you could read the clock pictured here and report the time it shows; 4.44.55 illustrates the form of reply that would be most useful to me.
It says 7.18.14
